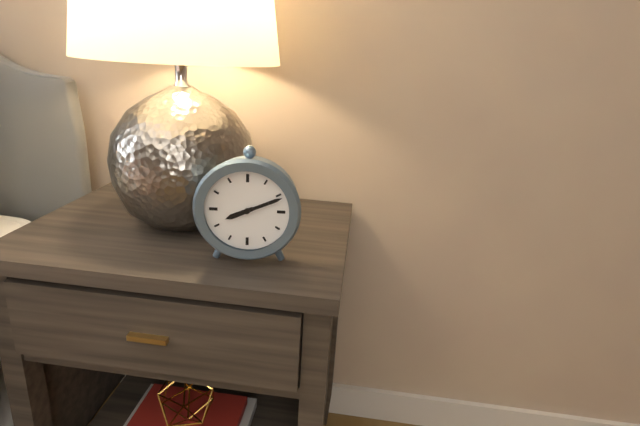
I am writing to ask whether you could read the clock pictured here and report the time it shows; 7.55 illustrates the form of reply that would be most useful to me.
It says 8.11
